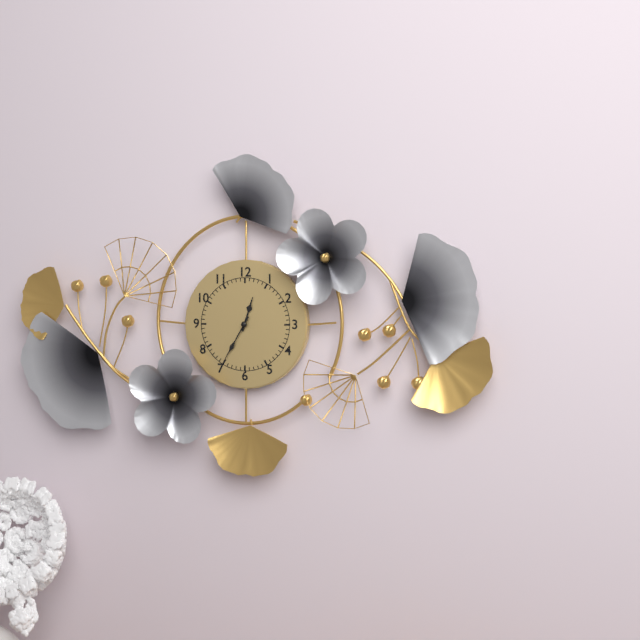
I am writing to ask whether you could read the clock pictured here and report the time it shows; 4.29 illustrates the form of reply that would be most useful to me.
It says 12.35
